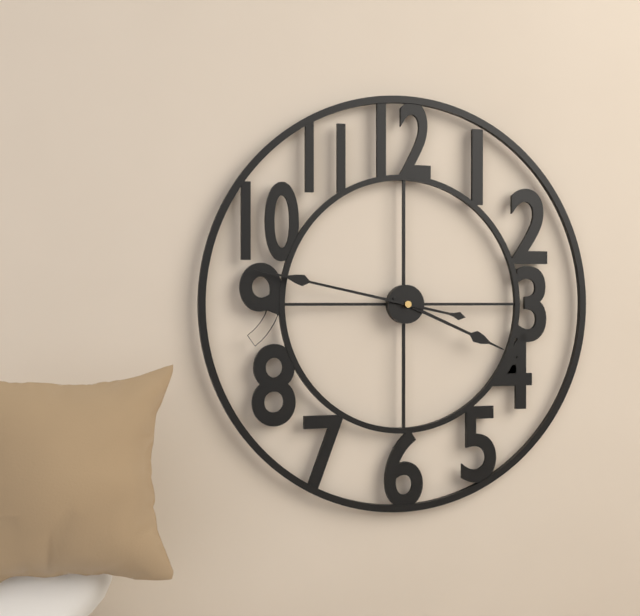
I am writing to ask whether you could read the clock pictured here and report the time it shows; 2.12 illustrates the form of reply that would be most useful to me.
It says 3.47
